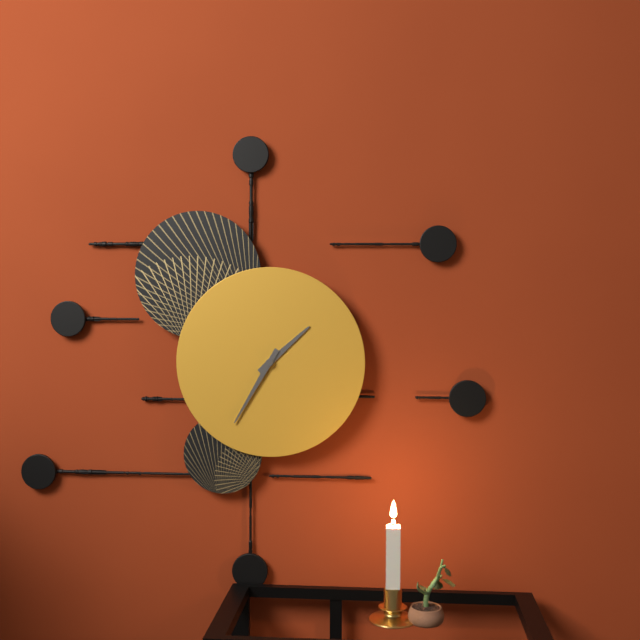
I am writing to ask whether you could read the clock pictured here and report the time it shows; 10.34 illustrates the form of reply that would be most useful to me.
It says 1.35
